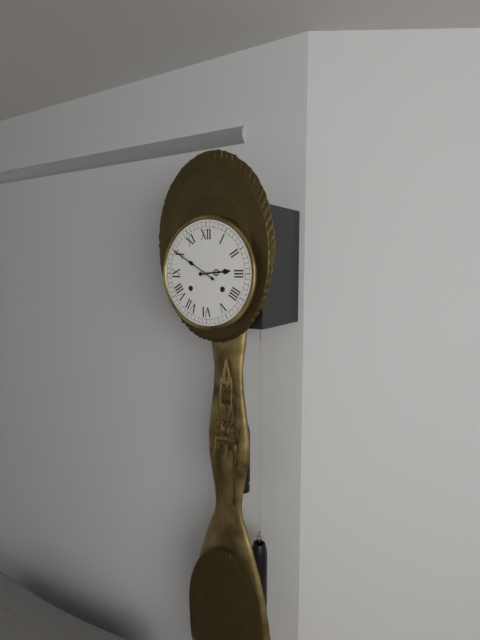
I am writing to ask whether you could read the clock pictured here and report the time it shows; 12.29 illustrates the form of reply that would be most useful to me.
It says 2.50
